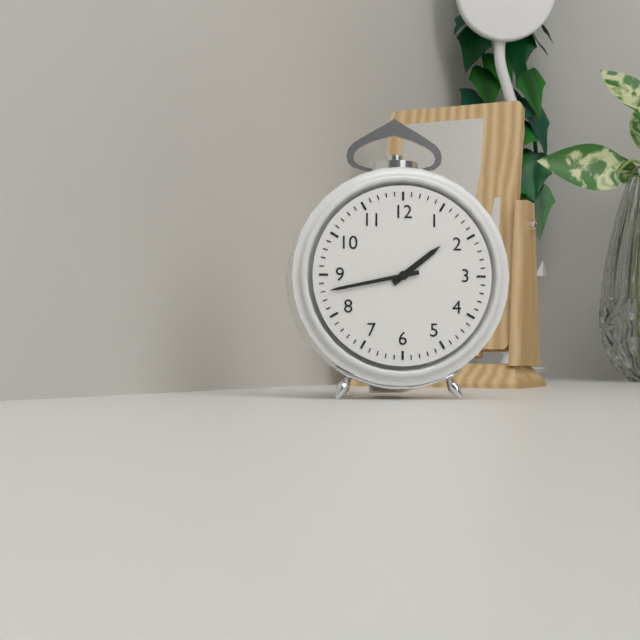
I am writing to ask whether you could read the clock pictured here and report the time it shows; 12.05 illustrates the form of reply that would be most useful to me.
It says 1.43
